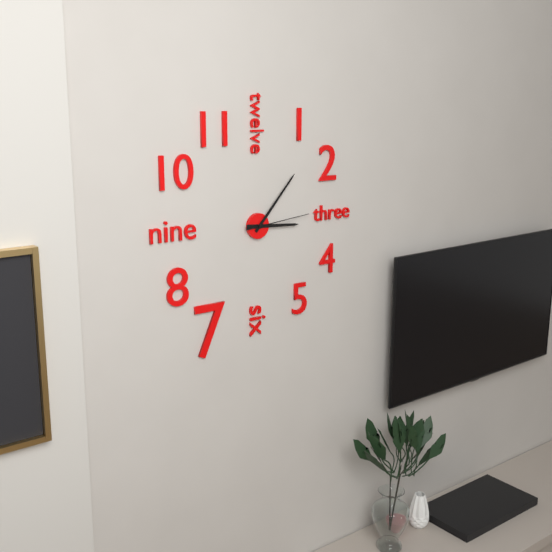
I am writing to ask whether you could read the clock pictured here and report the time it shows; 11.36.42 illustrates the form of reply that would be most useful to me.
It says 3.07.14
